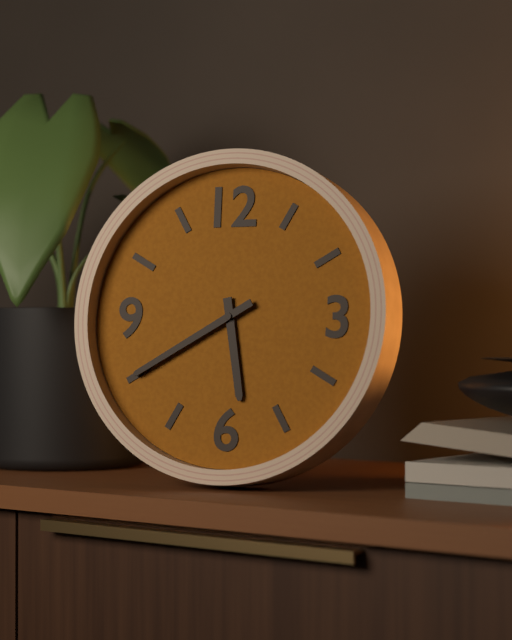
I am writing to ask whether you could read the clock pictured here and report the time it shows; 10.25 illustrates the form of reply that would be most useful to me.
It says 5.40
